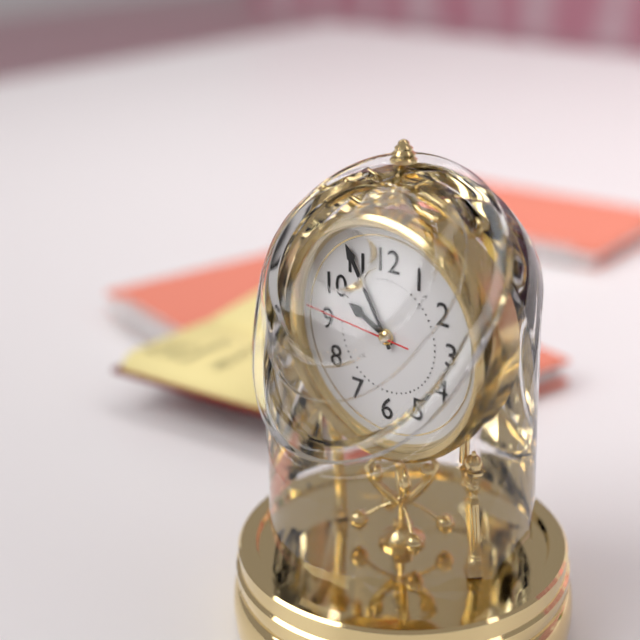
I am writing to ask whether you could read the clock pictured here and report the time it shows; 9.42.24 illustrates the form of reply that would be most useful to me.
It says 9.55.46
